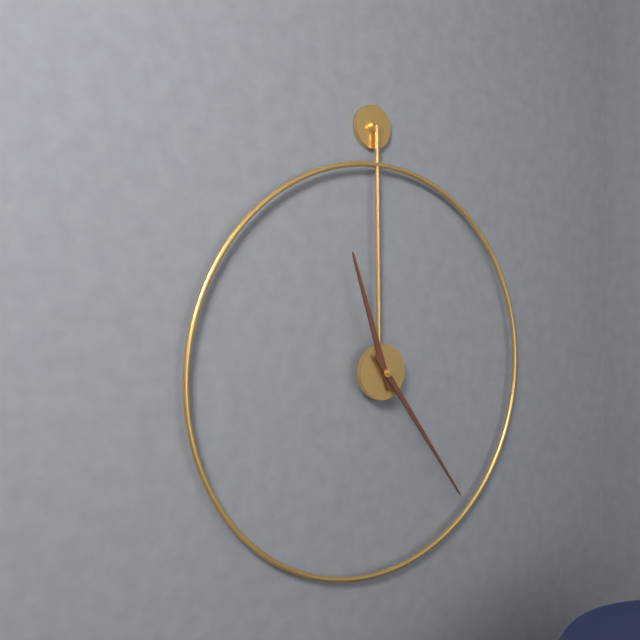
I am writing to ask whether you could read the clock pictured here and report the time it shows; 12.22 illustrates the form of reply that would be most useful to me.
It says 11.24
